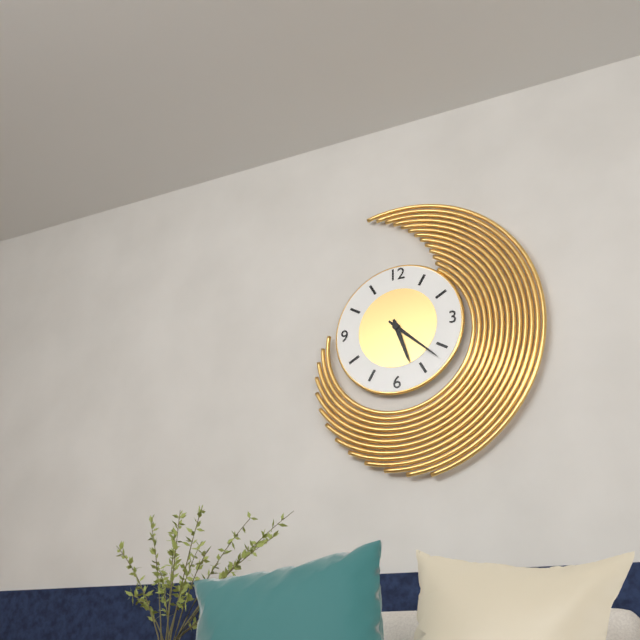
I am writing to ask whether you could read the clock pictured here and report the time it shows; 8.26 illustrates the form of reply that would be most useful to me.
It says 5.22
